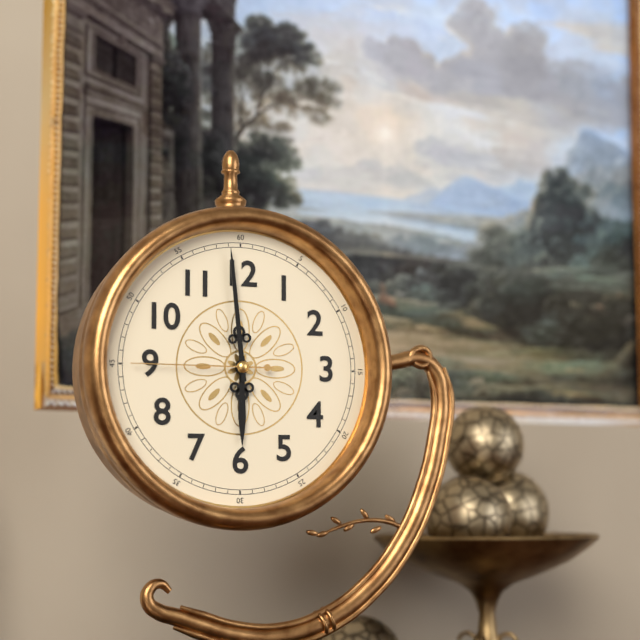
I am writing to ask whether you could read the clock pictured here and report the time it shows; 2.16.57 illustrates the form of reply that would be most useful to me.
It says 5.59.45
